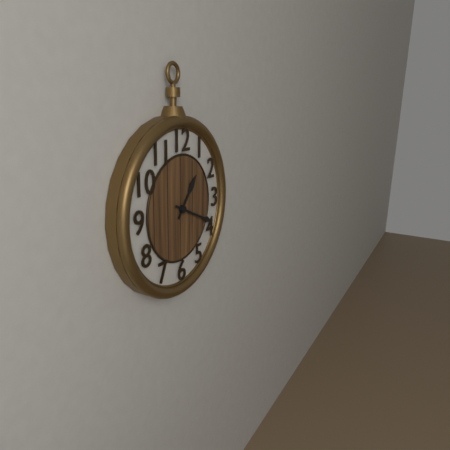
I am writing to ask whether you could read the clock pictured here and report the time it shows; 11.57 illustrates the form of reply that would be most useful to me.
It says 1.19
